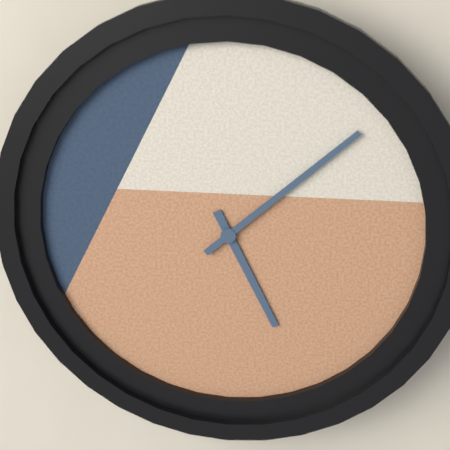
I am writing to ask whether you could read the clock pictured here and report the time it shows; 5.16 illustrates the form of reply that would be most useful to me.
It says 5.08
